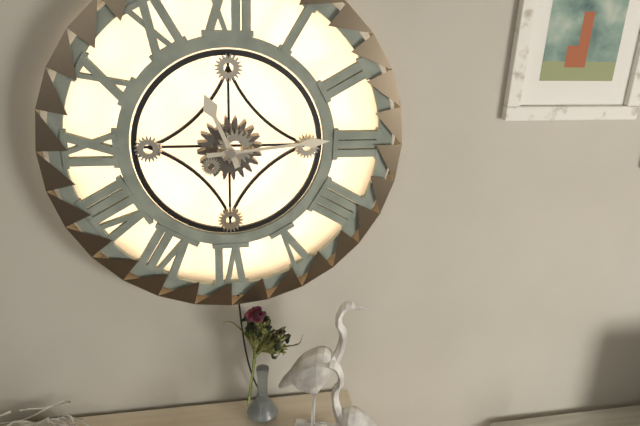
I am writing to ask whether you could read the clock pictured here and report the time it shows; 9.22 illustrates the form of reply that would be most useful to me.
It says 11.14
